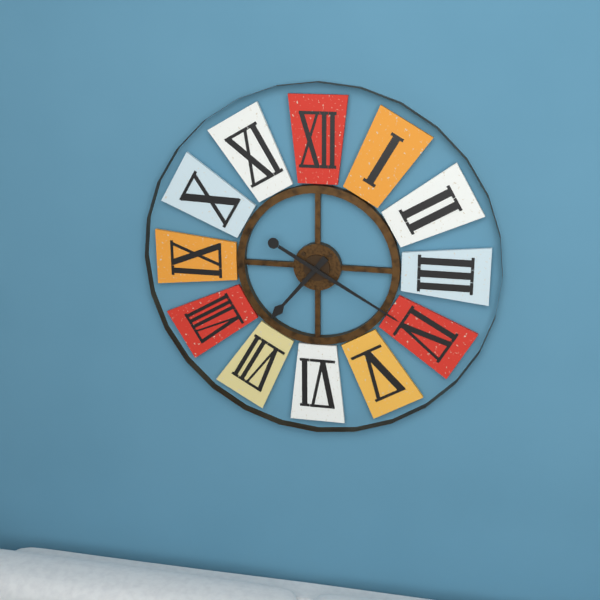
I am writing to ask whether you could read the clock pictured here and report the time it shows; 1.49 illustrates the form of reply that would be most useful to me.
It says 7.20
